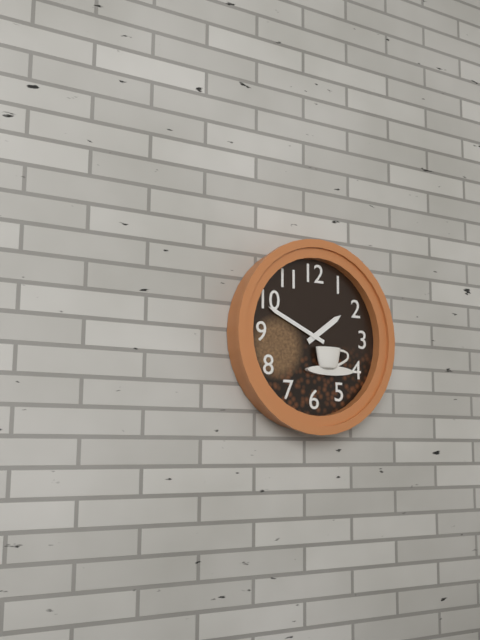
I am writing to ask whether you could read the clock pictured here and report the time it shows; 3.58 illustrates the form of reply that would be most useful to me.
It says 1.49
